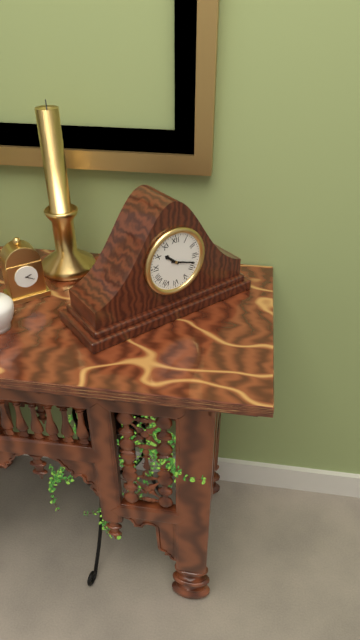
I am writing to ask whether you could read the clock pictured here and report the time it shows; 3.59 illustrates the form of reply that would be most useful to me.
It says 10.18
